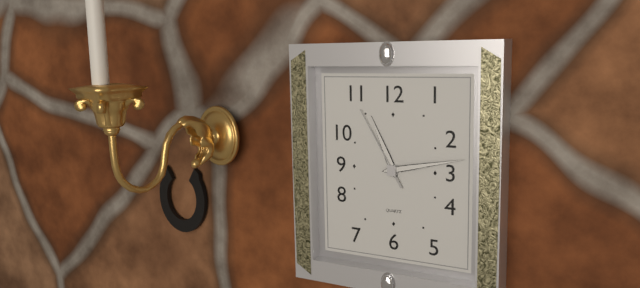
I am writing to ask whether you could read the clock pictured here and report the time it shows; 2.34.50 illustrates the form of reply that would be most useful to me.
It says 11.13.55
